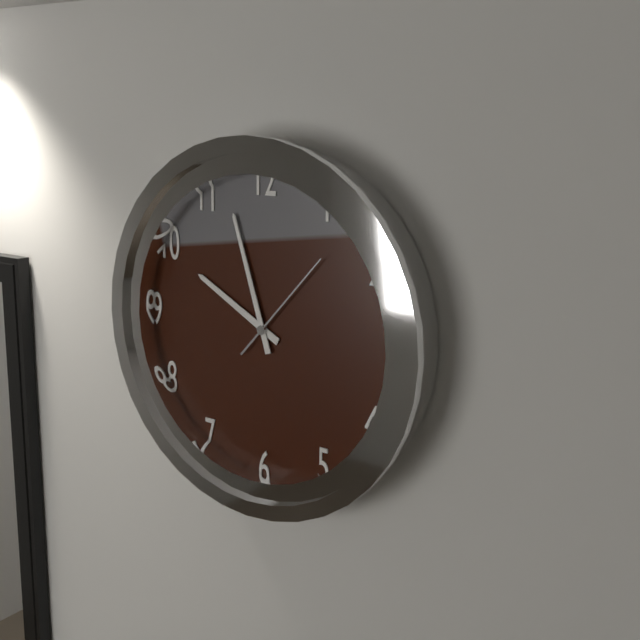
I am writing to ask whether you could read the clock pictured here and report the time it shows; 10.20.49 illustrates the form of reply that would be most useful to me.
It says 9.57.07
